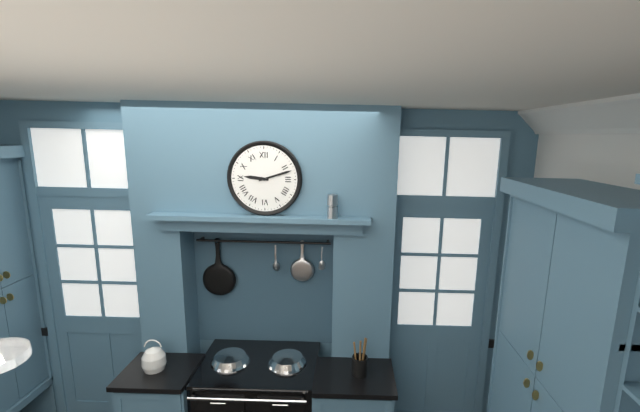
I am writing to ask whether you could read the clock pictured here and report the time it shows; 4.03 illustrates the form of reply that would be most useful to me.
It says 9.12
